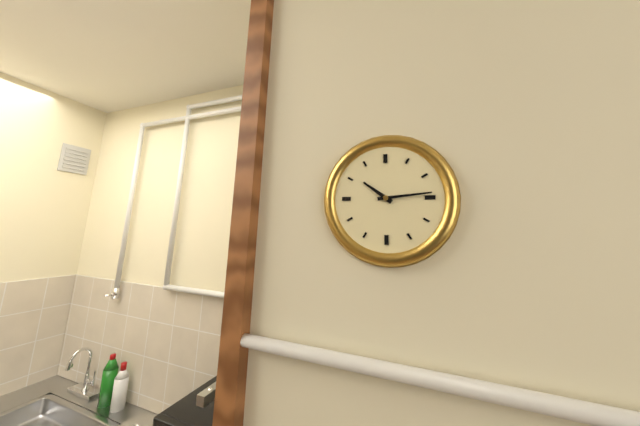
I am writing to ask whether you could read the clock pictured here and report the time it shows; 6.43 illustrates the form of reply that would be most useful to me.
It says 10.14
